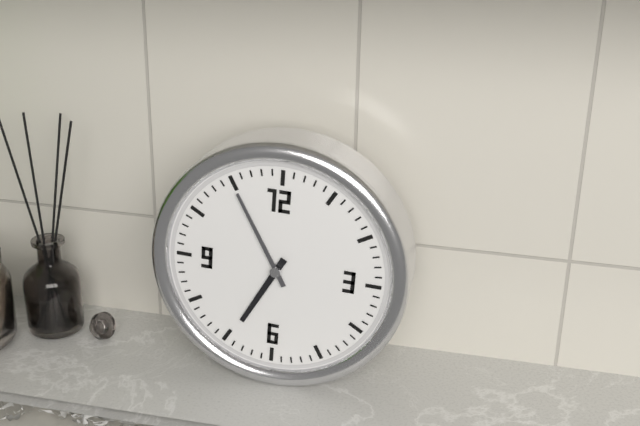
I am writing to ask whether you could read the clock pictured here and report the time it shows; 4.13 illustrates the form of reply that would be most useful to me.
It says 6.55
